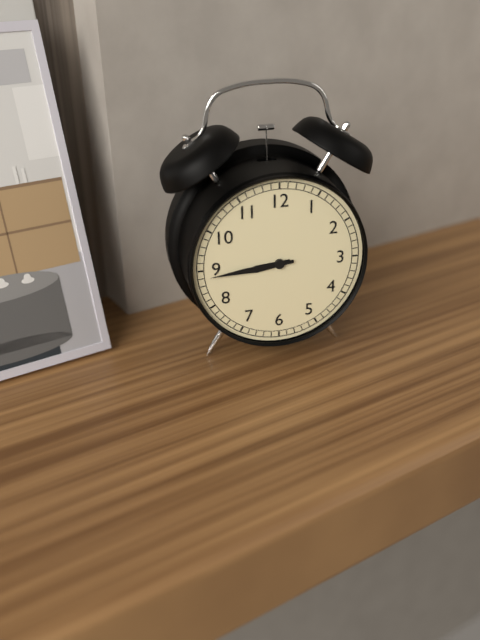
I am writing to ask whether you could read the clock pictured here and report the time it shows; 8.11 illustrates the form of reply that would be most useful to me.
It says 8.44
